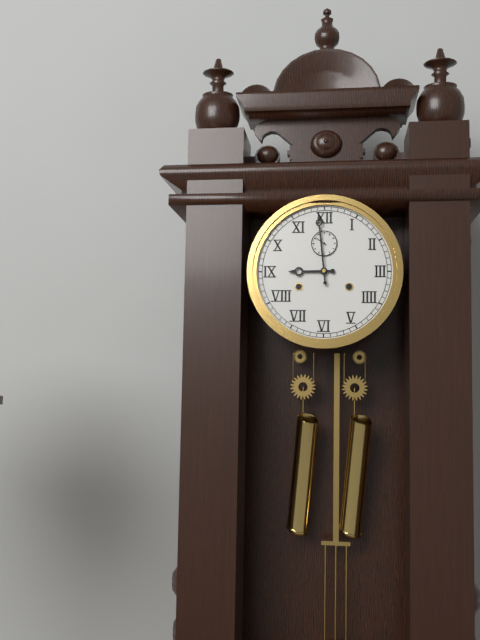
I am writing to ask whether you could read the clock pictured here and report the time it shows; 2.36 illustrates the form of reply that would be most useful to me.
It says 8.59
